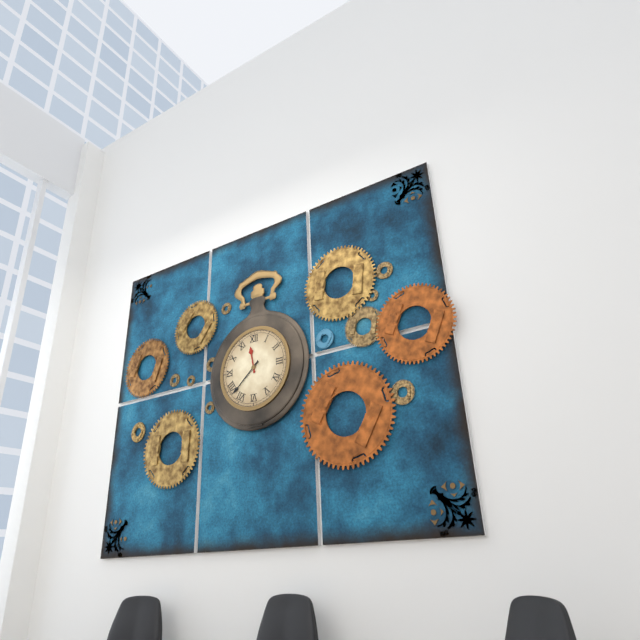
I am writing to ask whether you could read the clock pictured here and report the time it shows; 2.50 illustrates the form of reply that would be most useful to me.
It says 11.38
